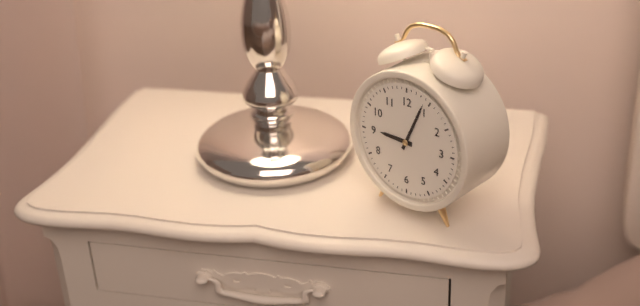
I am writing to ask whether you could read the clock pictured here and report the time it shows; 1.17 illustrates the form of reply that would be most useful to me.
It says 9.04
